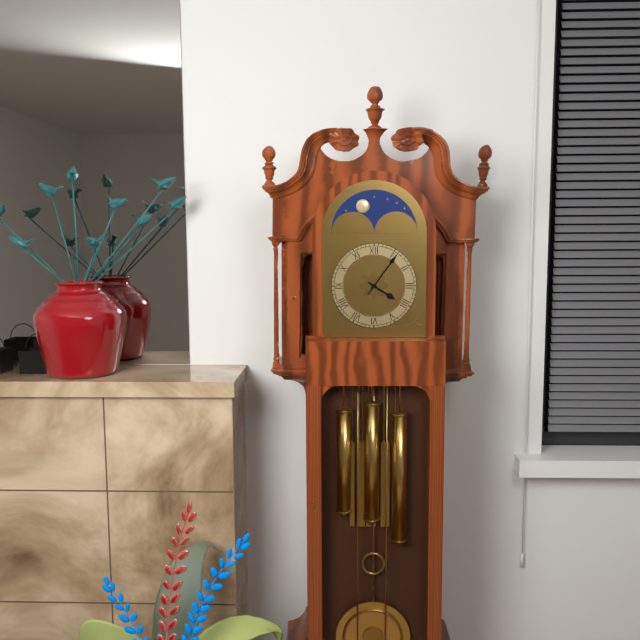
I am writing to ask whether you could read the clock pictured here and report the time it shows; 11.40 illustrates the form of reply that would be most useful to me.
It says 4.06
